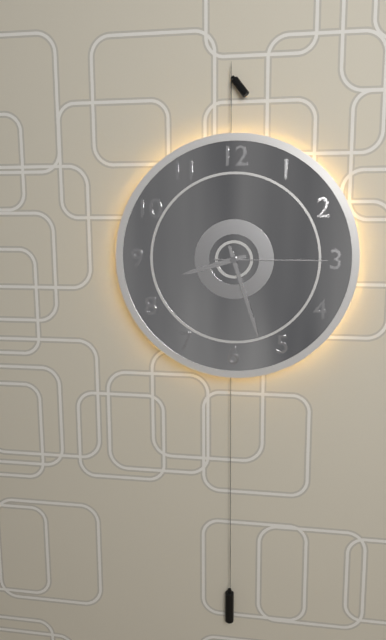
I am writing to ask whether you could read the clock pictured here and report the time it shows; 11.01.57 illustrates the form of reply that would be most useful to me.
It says 8.27.15
